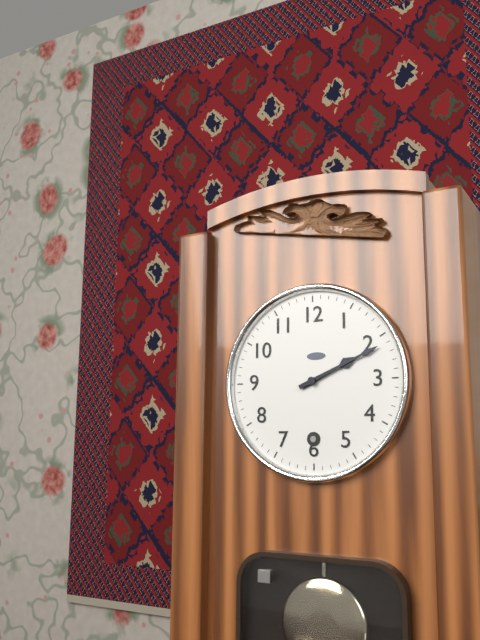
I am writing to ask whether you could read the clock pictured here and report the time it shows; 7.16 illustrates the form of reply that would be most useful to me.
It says 2.11
